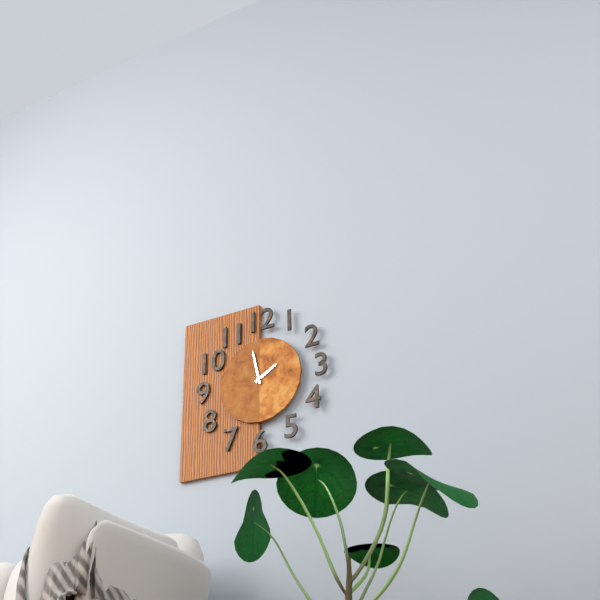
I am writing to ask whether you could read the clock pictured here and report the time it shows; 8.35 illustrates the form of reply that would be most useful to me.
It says 1.58
